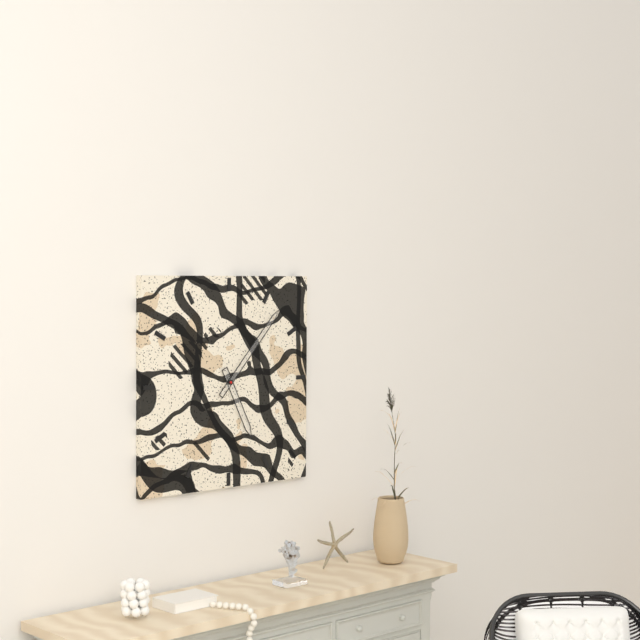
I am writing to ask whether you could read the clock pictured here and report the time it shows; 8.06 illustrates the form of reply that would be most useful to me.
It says 5.07
